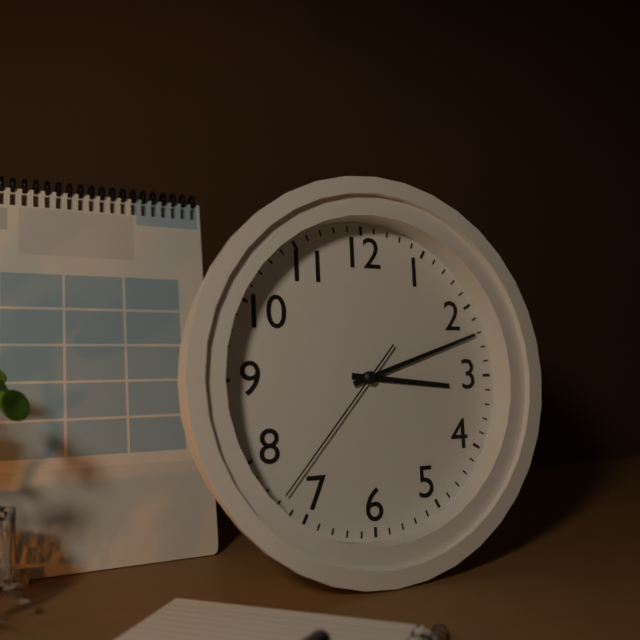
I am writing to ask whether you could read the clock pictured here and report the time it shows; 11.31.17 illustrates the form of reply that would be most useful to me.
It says 3.12.37
